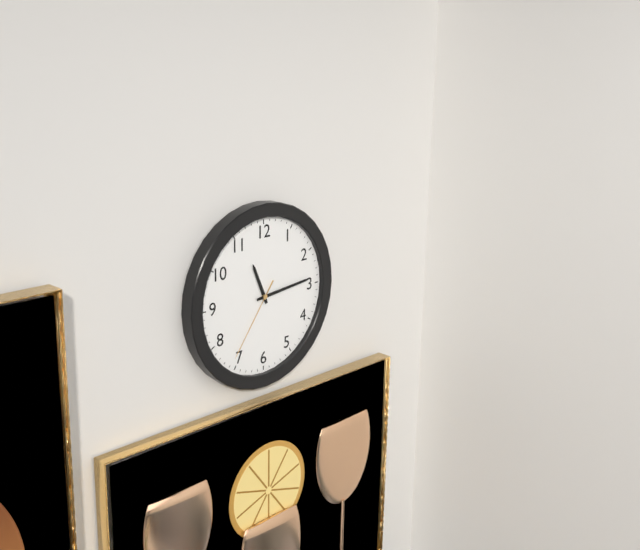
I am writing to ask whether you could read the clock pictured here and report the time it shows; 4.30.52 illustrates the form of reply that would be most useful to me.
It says 11.14.36
